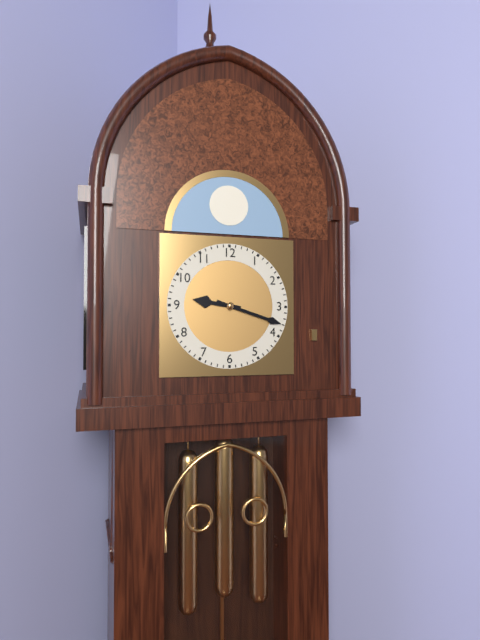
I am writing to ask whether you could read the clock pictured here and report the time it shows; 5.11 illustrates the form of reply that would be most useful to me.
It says 9.18
